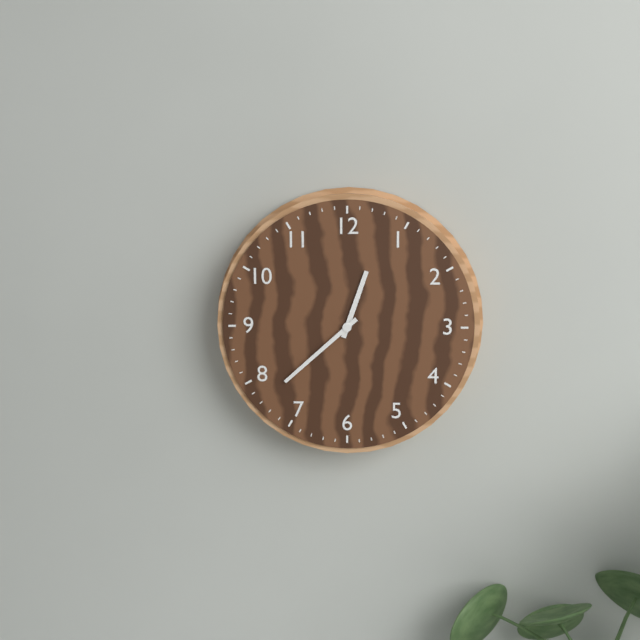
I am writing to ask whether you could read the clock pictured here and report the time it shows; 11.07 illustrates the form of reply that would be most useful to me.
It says 12.38
